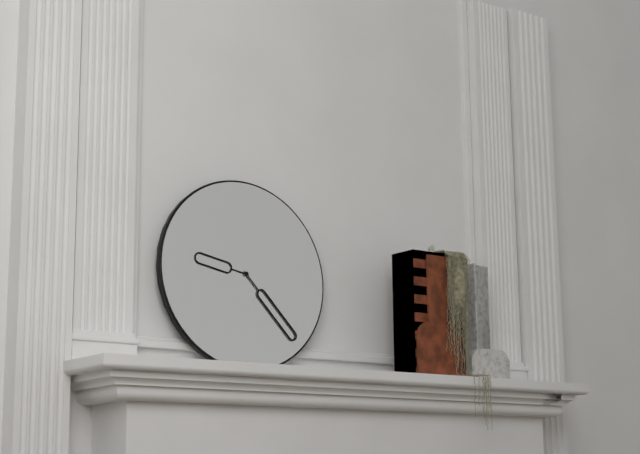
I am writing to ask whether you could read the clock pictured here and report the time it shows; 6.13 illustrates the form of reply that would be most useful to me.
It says 9.23
